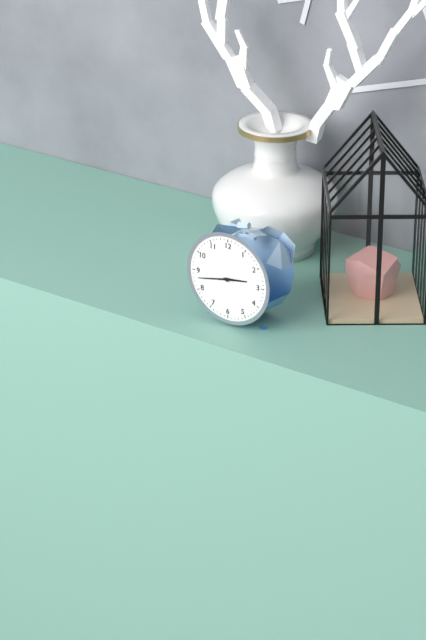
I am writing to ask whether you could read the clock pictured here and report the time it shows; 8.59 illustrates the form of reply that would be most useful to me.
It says 2.43
